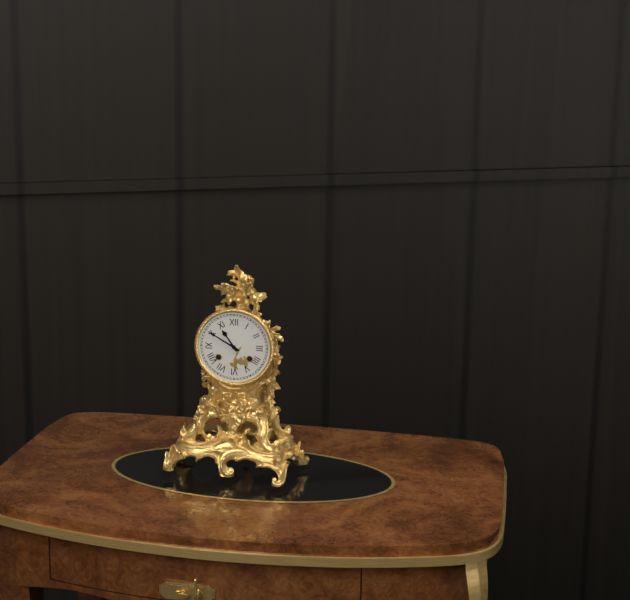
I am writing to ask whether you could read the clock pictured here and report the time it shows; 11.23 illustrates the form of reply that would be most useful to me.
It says 10.50
